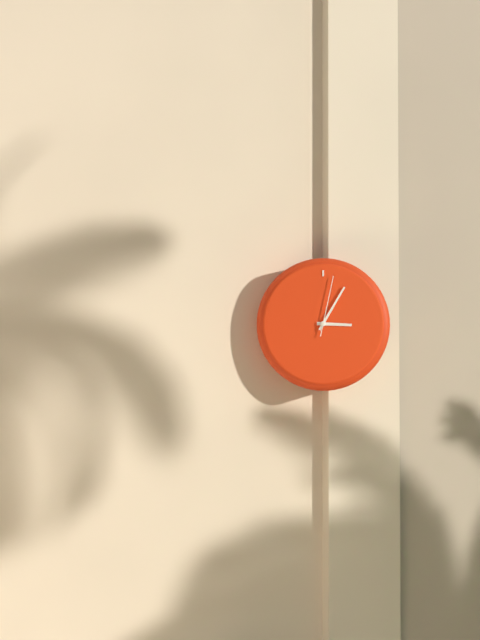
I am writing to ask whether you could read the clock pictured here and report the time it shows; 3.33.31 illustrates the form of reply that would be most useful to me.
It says 3.05.02
